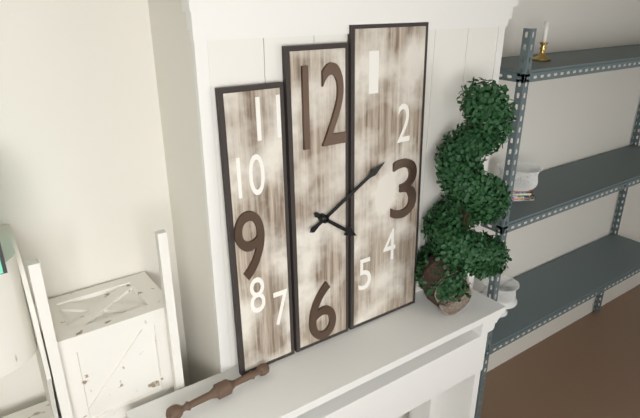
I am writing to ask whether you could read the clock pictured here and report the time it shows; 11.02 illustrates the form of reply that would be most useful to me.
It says 4.10
